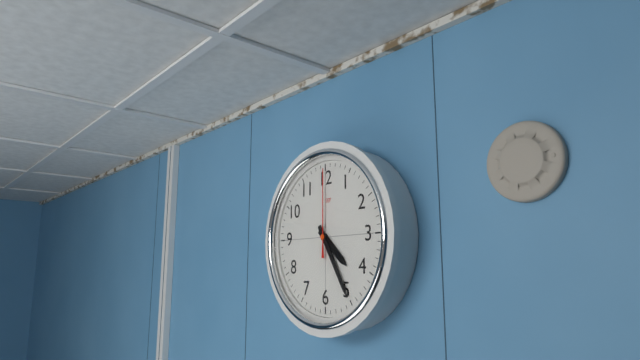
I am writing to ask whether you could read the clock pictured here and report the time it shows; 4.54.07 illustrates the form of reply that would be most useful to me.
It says 4.25.00
